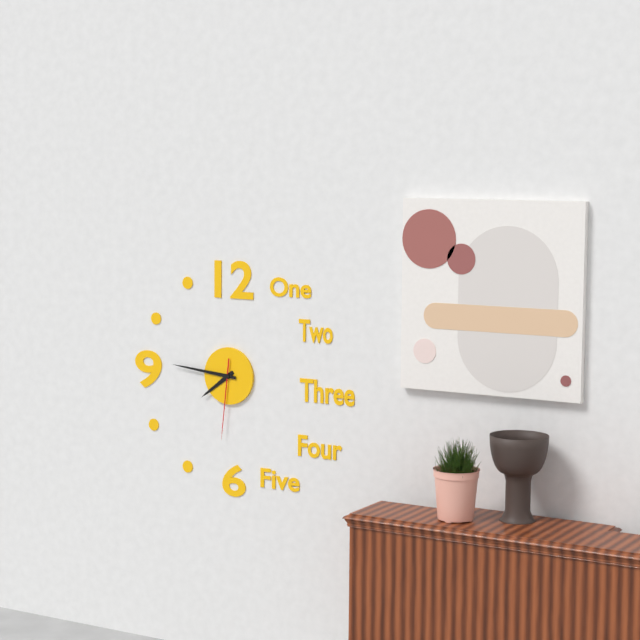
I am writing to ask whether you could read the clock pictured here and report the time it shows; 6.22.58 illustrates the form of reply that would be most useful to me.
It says 7.46.31
